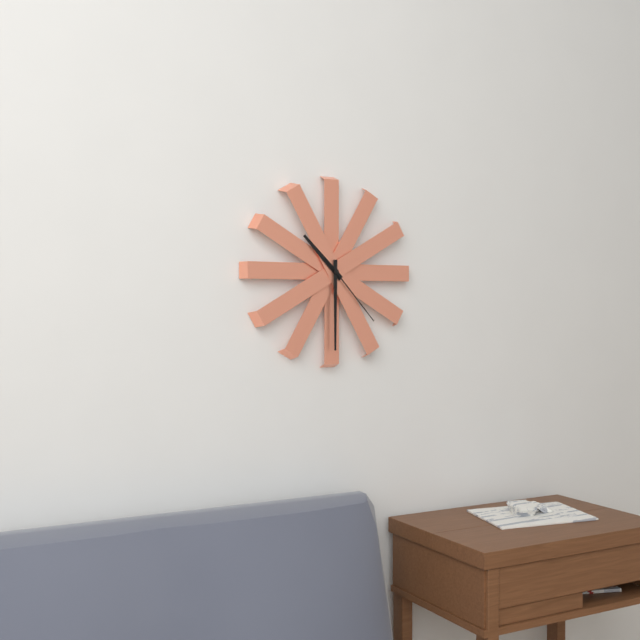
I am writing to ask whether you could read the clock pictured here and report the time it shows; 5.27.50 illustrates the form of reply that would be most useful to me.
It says 10.30.23
